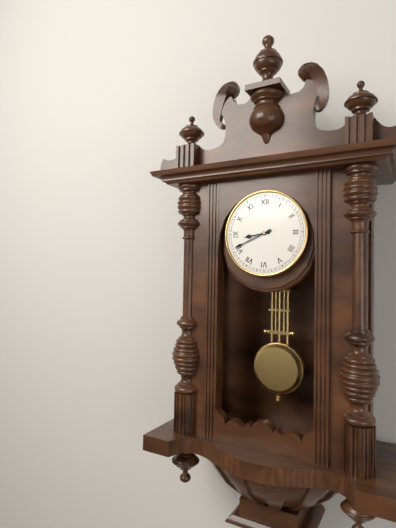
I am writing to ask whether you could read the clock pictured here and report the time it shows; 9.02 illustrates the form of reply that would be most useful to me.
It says 8.41
